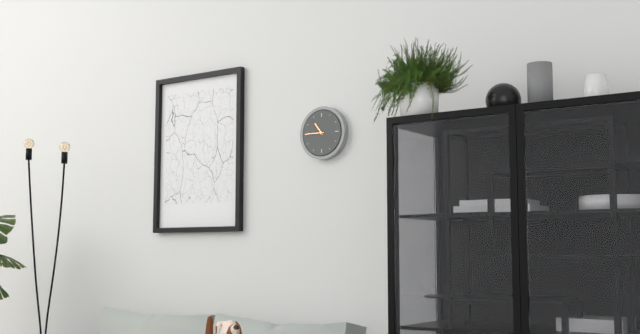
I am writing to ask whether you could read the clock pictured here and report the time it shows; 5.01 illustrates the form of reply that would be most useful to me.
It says 10.45
